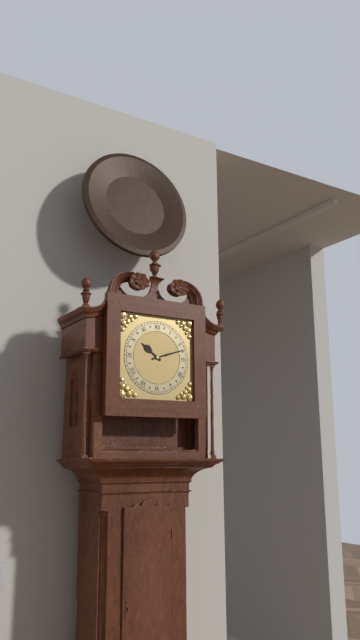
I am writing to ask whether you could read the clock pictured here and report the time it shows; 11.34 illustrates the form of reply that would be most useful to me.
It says 10.12
